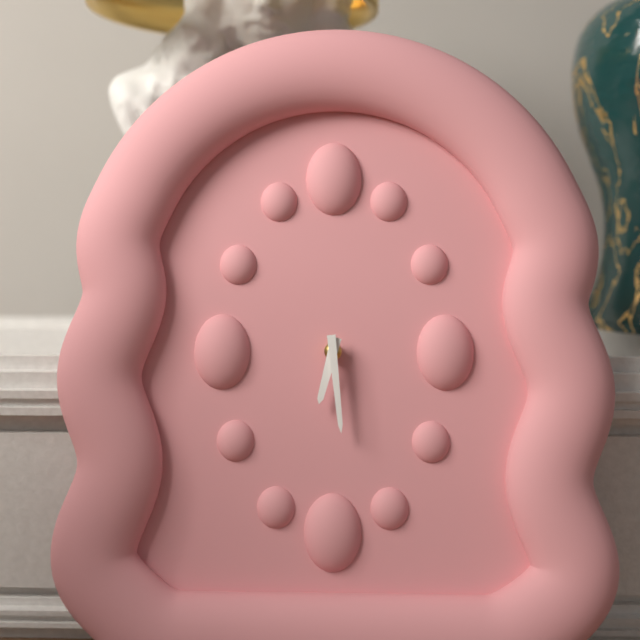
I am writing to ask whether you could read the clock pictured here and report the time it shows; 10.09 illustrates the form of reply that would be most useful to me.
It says 6.29
